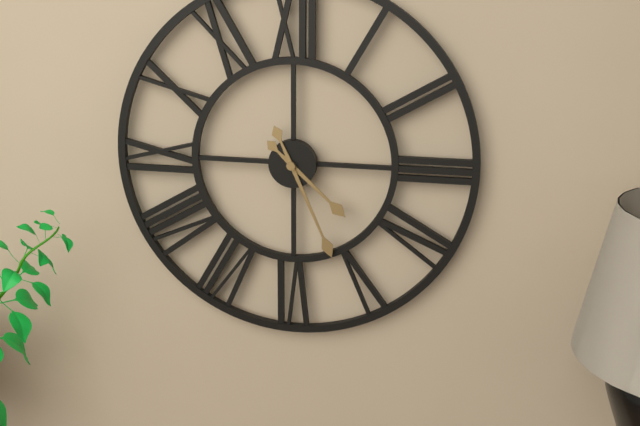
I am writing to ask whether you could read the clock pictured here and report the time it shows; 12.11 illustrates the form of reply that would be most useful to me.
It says 4.26
